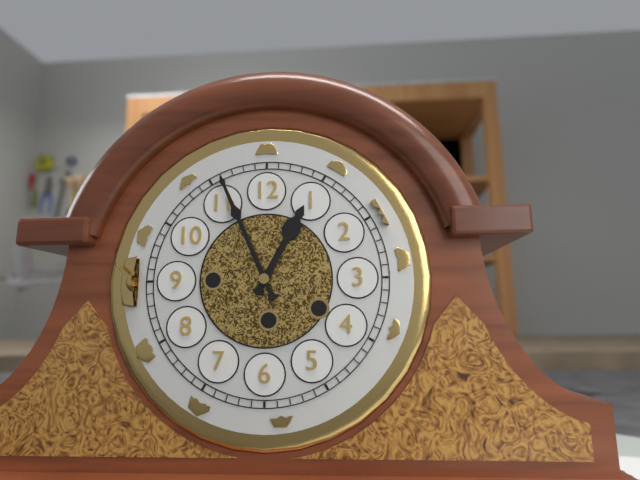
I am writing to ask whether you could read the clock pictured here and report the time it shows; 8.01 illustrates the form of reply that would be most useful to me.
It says 12.56
